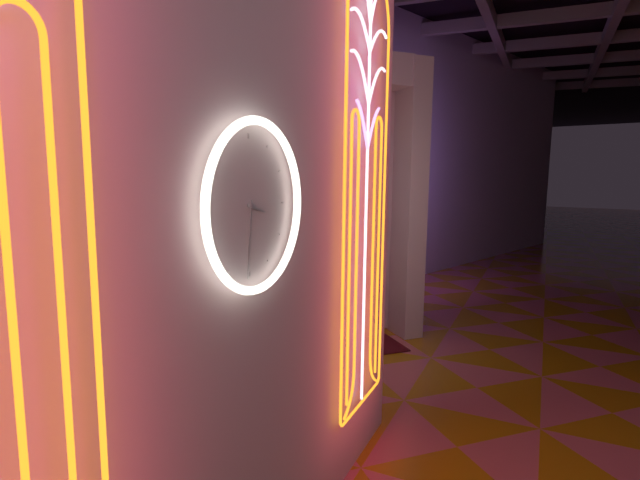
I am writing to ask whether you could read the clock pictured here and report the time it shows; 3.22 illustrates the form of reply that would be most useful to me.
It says 3.31
